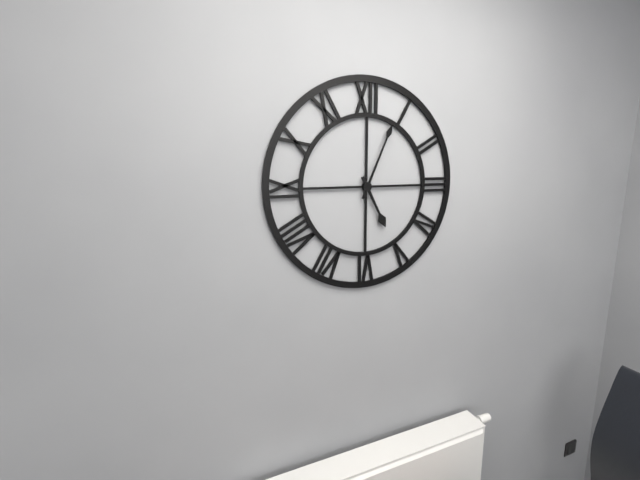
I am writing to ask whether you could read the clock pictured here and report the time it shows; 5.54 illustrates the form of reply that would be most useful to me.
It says 5.04
